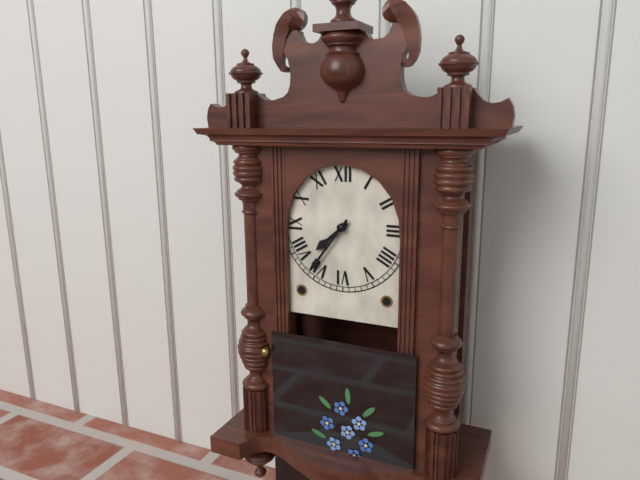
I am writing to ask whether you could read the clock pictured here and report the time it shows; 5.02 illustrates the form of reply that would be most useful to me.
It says 7.36
